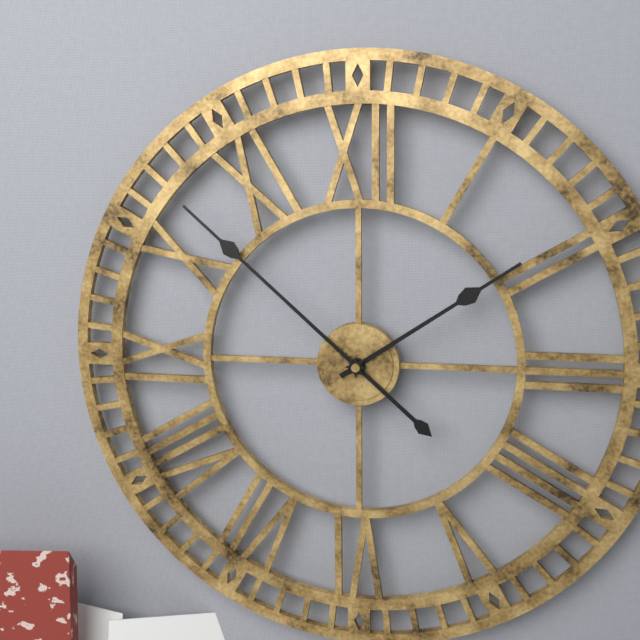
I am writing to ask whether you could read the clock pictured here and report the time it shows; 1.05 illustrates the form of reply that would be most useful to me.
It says 1.52
